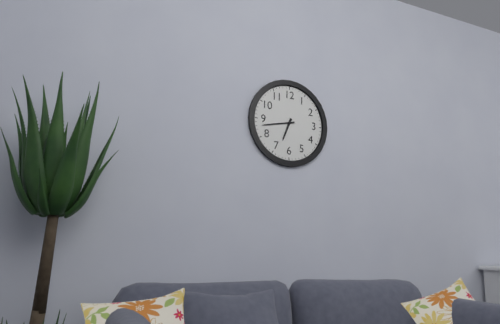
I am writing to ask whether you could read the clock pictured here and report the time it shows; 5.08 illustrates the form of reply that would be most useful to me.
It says 6.43
